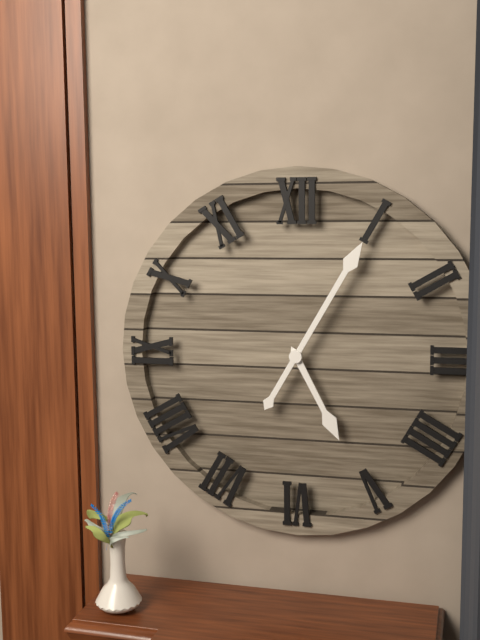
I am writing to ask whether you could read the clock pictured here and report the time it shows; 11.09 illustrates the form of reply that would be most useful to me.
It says 5.05
